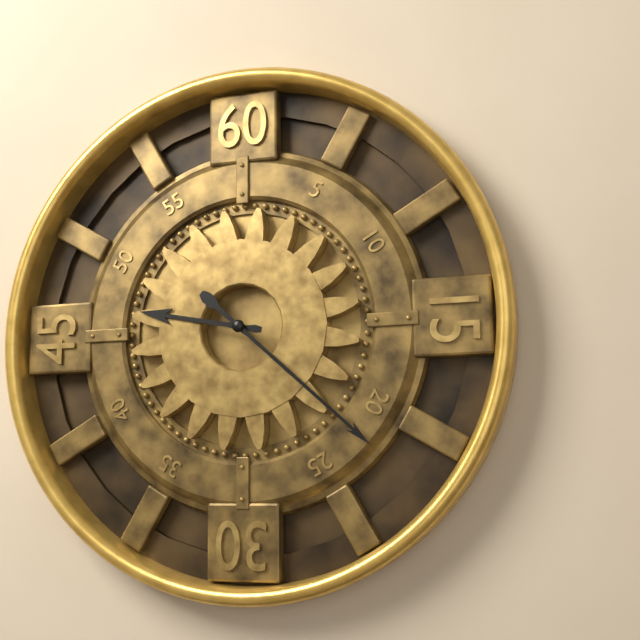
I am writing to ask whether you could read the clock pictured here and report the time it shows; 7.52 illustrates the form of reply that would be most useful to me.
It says 9.22
